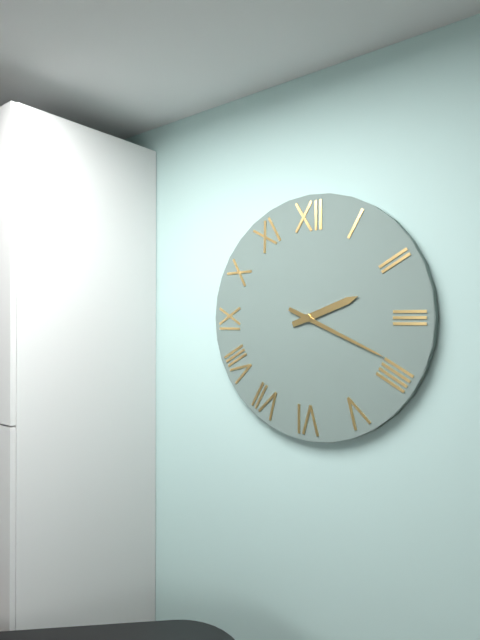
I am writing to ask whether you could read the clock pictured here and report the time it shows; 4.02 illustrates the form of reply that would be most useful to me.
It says 2.19
